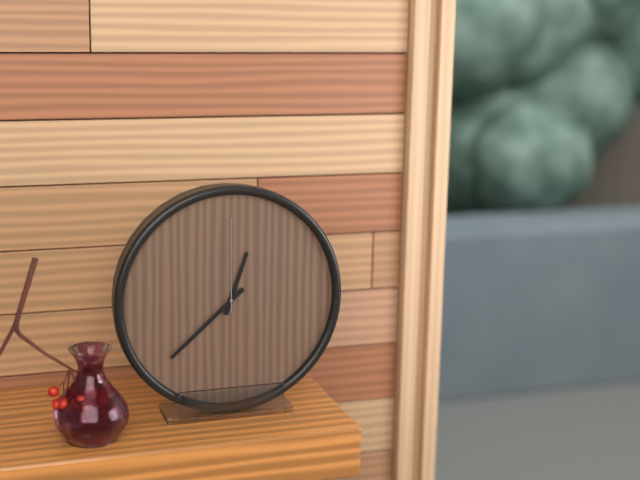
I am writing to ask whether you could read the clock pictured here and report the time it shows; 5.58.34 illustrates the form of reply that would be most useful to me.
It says 12.38.00
